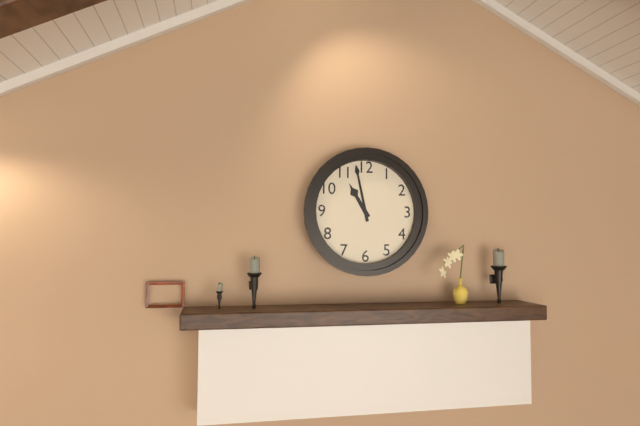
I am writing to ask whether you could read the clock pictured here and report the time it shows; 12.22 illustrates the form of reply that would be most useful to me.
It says 10.58
